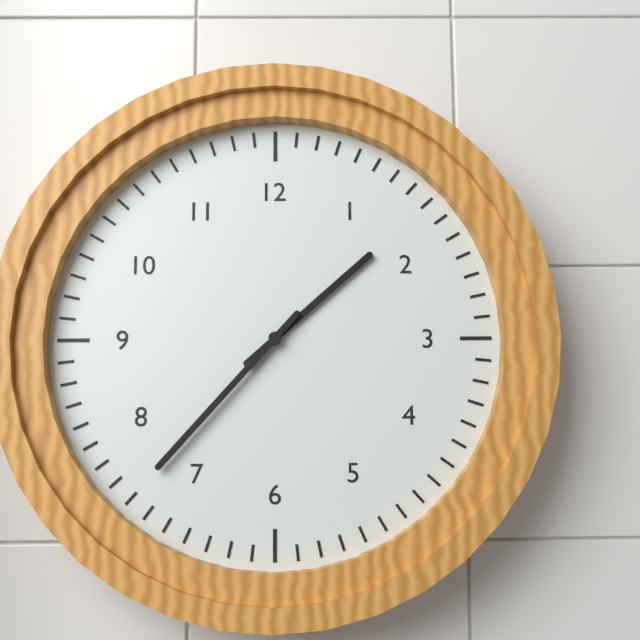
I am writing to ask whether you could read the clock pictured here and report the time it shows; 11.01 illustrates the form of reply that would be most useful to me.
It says 1.37
